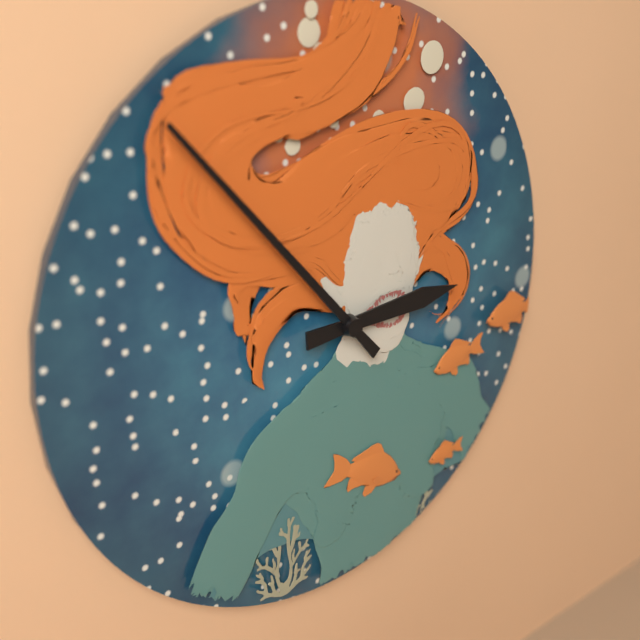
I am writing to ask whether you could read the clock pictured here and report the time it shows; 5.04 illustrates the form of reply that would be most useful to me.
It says 2.53
